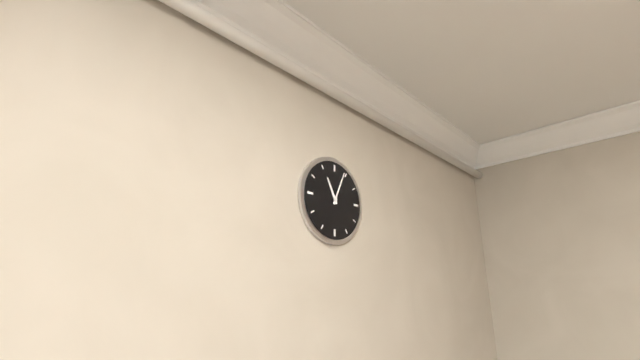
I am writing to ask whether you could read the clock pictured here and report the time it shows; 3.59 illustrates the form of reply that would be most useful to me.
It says 11.04
